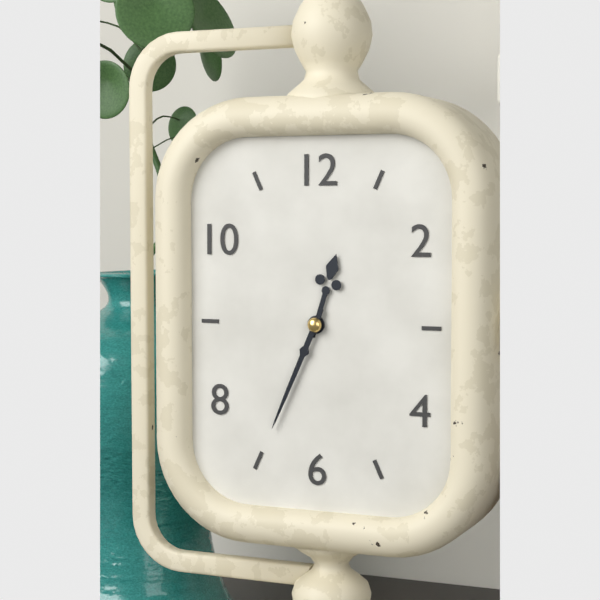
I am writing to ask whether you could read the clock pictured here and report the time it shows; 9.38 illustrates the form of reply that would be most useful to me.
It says 12.34
